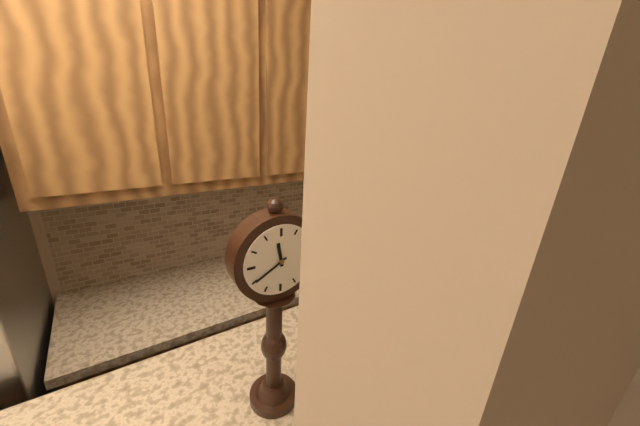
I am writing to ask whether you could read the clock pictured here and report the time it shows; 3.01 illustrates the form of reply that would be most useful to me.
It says 11.40
